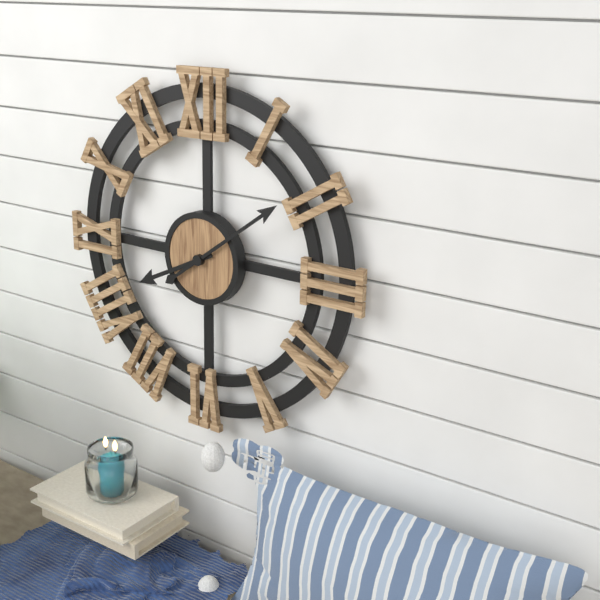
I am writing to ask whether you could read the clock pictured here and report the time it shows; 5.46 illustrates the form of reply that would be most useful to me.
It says 8.09
